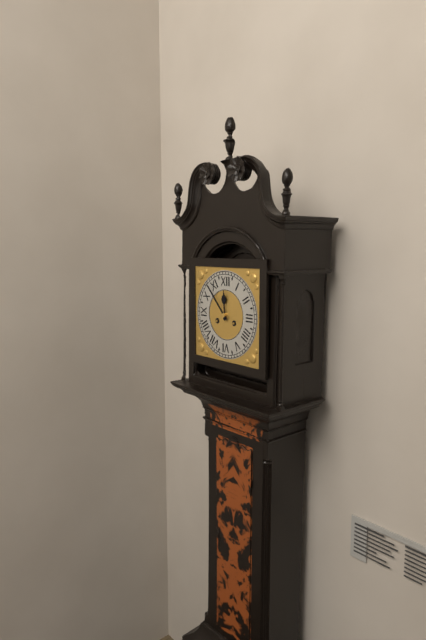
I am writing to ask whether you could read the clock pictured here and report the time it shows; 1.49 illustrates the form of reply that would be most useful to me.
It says 11.53
